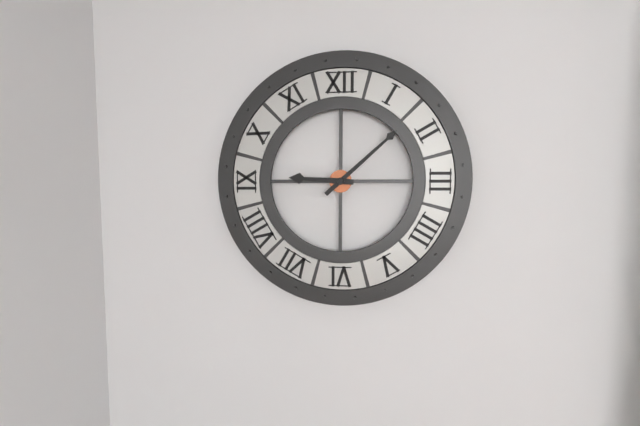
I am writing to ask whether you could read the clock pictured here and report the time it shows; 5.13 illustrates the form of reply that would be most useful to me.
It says 9.08
